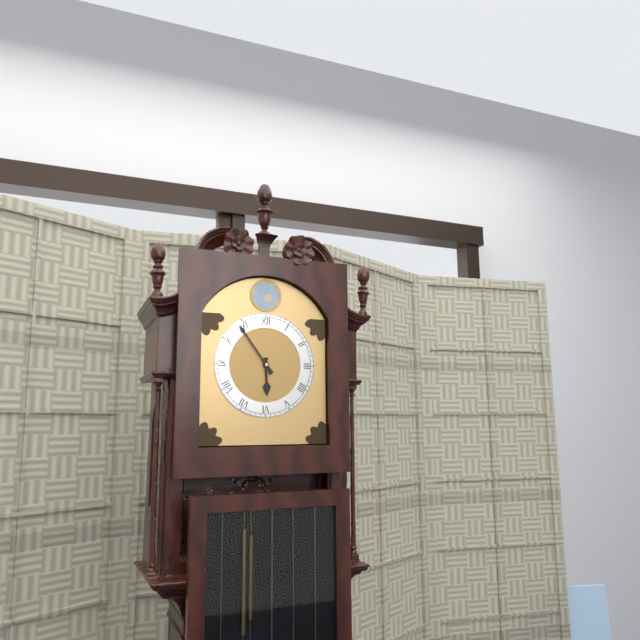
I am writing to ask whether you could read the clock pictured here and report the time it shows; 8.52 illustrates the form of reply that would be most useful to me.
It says 5.54
